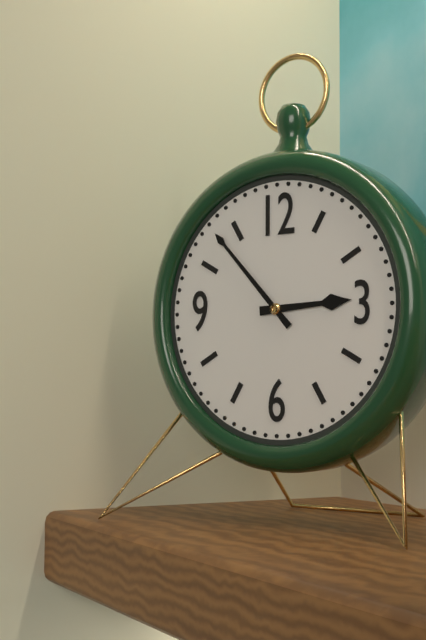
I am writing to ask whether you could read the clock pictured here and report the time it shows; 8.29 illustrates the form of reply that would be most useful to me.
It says 2.53
